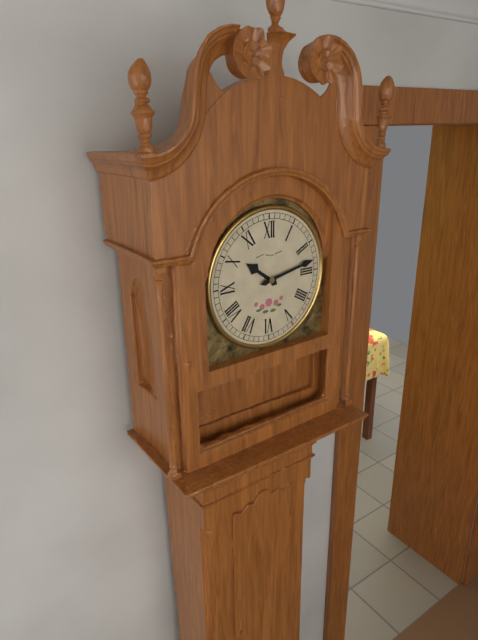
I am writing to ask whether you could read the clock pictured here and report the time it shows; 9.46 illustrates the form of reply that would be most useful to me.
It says 10.13
